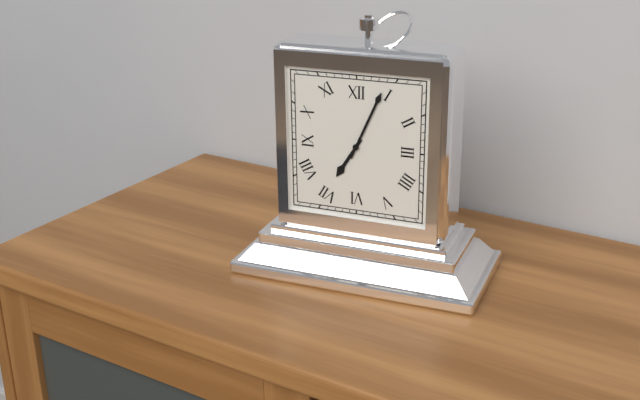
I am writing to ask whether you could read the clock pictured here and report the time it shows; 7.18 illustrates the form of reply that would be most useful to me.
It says 7.04
